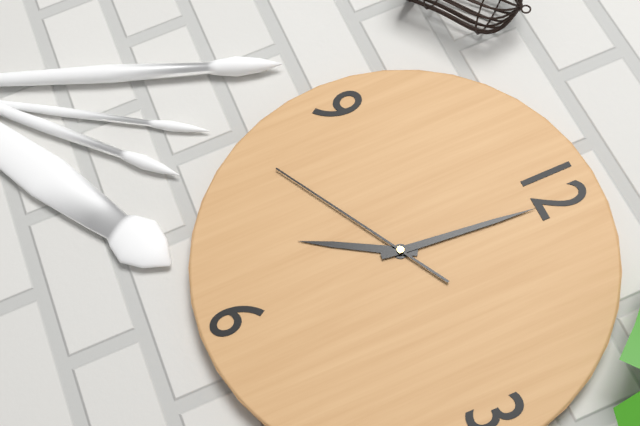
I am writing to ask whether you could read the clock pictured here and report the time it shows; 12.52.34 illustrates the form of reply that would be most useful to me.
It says 7.01.40
